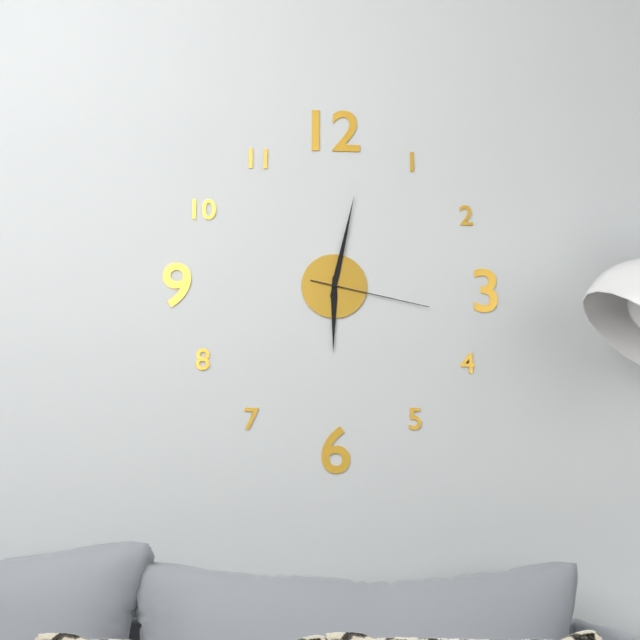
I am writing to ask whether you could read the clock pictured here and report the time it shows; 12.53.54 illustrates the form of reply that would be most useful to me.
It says 6.02.17
